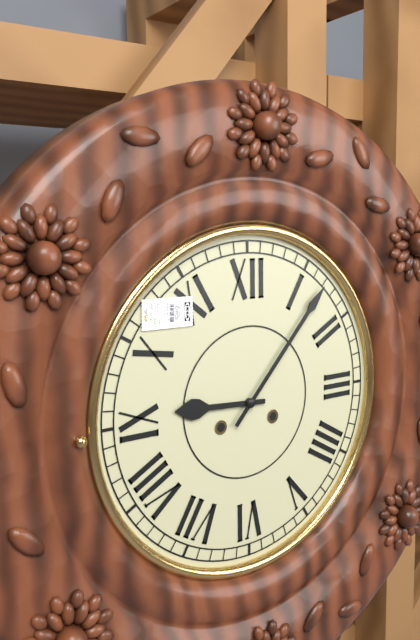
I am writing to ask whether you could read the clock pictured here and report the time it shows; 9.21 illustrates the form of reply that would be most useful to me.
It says 9.07
